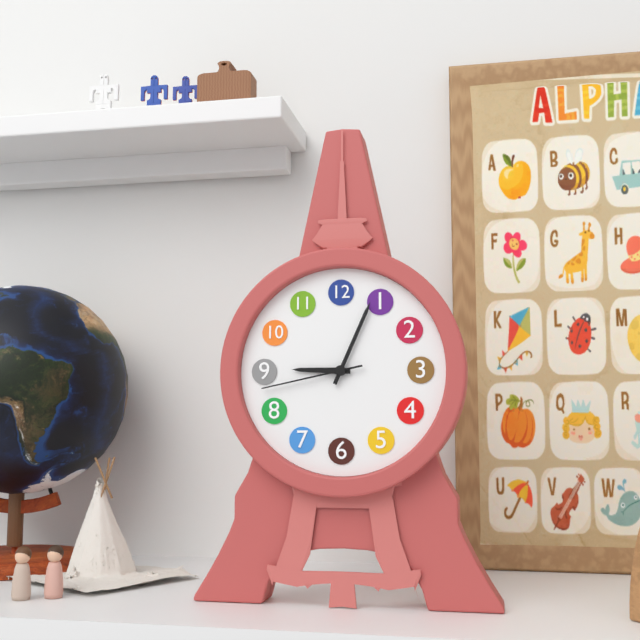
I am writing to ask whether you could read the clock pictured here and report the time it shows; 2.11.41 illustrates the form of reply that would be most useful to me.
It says 9.04.43
